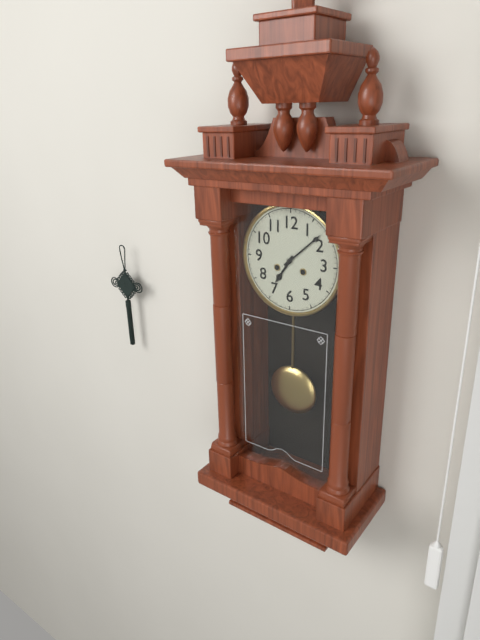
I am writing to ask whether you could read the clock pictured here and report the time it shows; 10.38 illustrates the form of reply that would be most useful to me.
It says 7.08
